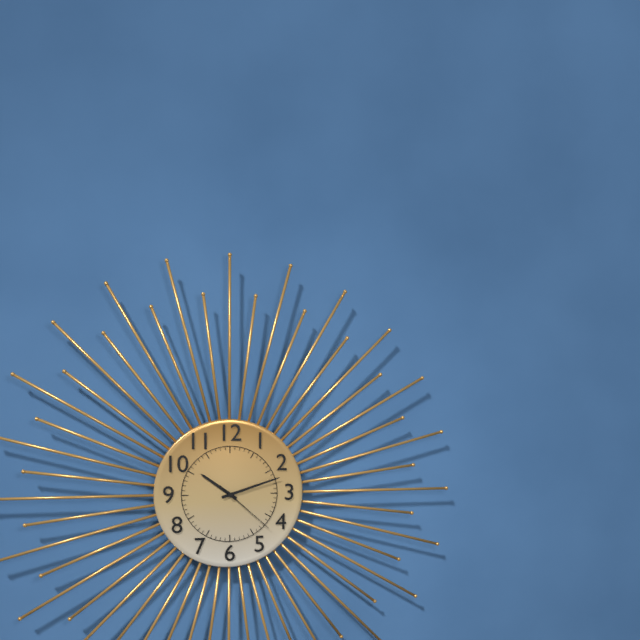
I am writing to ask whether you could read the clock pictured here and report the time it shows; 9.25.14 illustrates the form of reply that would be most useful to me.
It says 10.12.22
